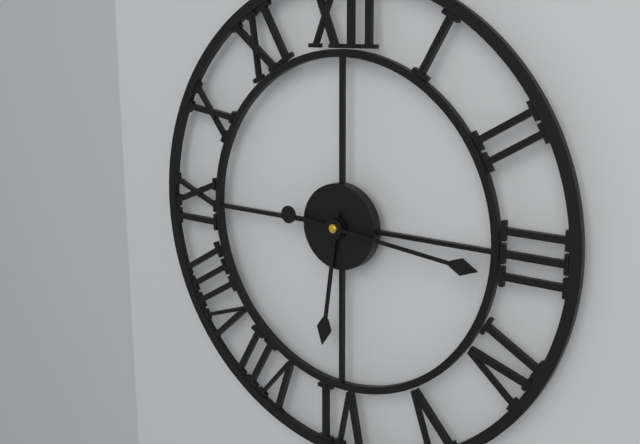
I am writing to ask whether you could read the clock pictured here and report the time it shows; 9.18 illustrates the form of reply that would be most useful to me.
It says 6.16
